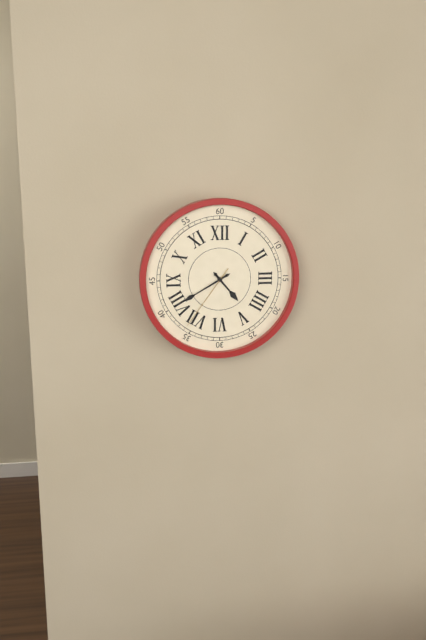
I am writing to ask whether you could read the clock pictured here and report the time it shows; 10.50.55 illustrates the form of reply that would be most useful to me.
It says 4.40.36
